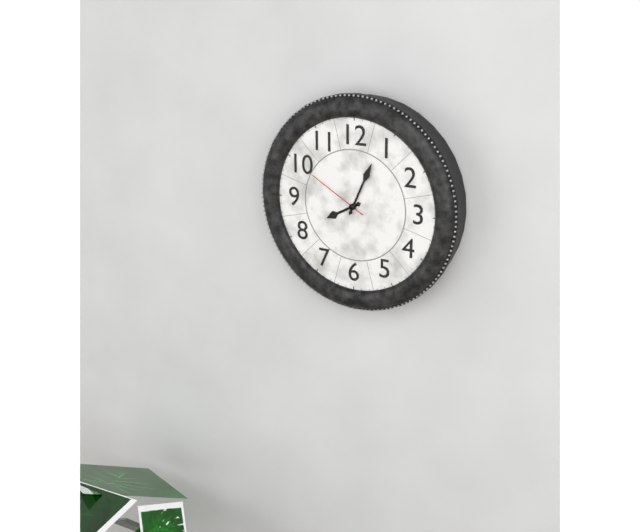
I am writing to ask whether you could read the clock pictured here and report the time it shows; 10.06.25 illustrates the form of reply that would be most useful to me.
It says 8.04.50
